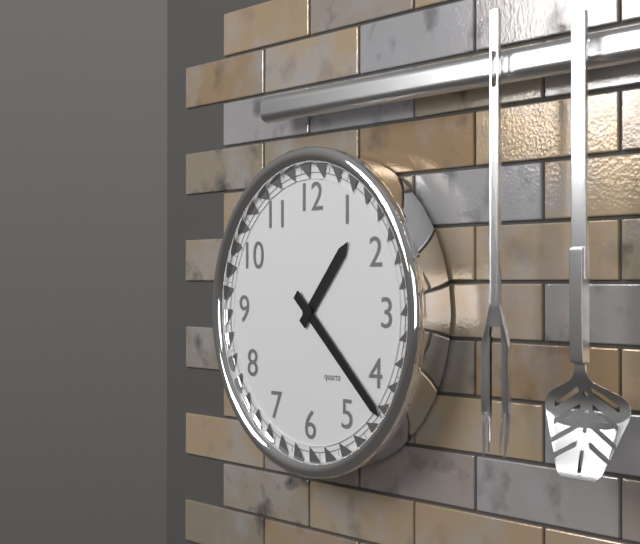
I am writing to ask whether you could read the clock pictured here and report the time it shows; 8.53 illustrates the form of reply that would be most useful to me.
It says 1.22
